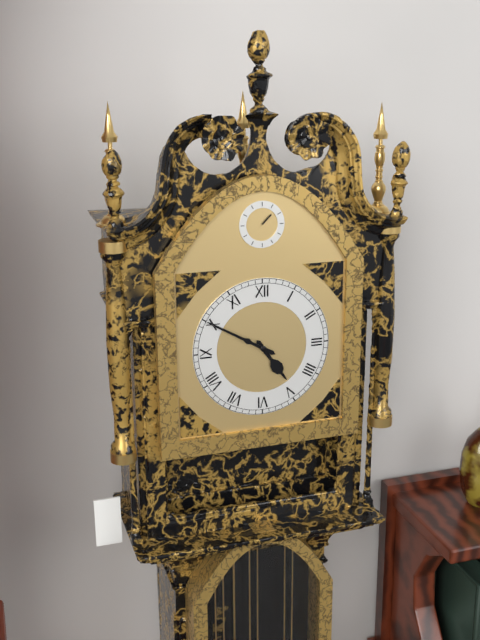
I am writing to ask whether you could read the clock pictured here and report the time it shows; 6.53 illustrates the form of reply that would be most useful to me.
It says 4.50
